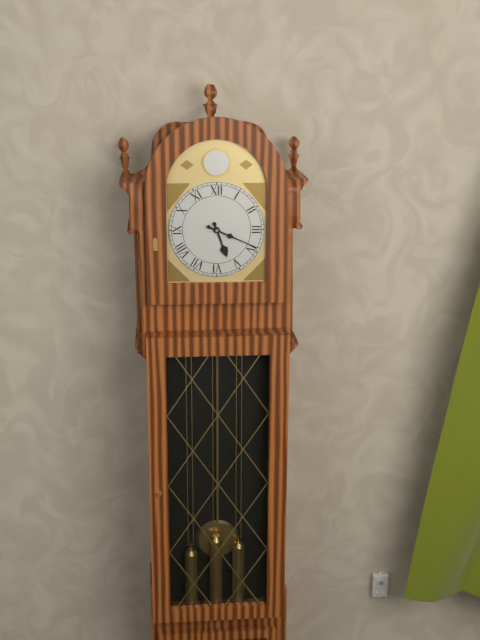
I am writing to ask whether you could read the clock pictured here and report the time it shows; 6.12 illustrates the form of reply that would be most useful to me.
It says 5.19
